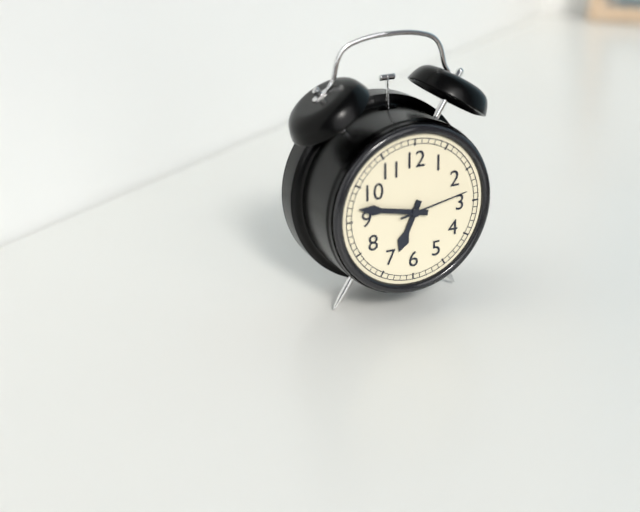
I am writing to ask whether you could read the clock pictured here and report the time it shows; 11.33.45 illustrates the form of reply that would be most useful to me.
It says 6.47.13
